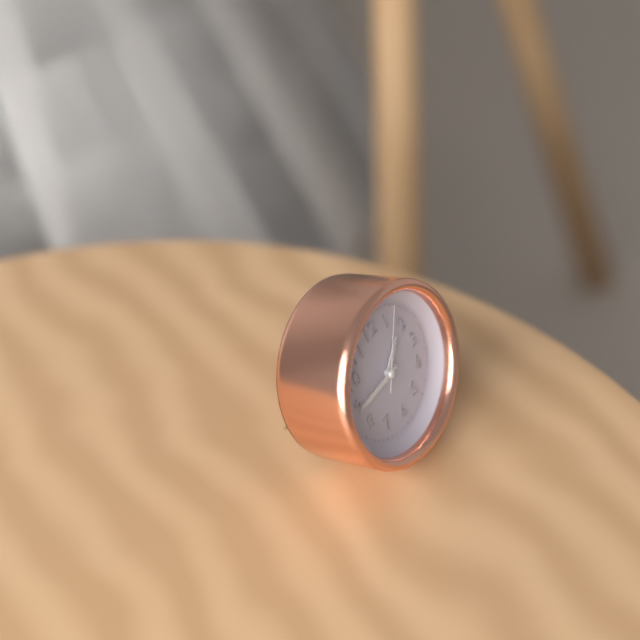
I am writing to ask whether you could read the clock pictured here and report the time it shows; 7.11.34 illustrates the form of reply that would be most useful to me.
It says 1.45.06
